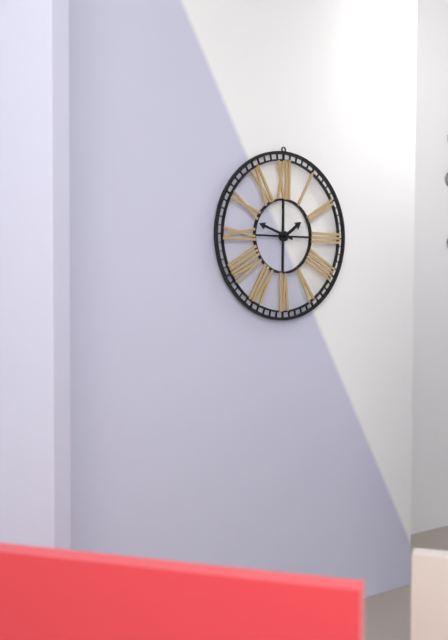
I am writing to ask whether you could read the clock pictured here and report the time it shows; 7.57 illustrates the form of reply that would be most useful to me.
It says 1.48
